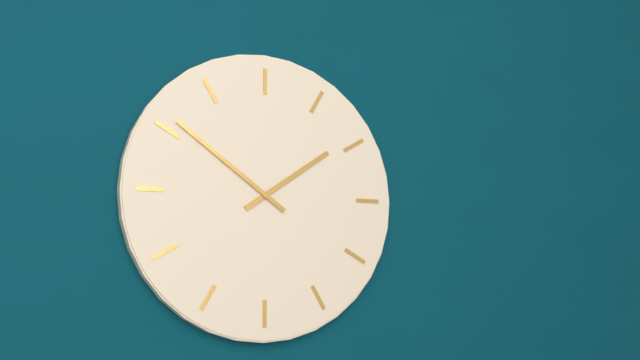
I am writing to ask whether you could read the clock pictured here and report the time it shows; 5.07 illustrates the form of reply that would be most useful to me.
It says 1.51
